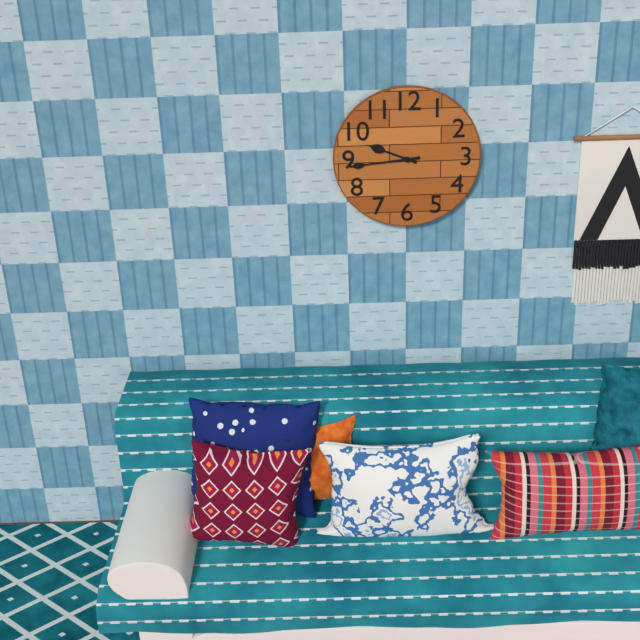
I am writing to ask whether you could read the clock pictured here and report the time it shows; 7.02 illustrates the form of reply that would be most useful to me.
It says 9.44
